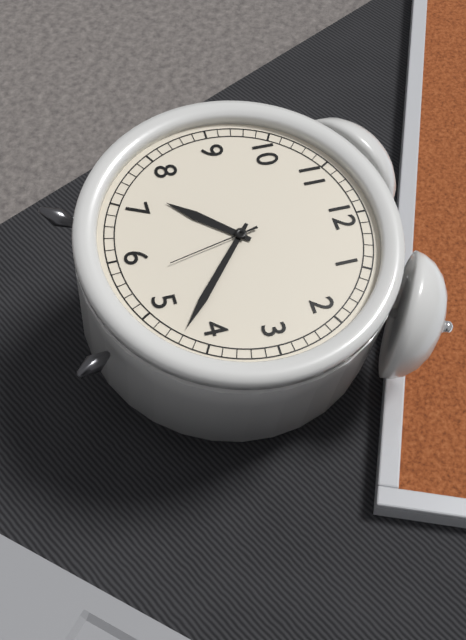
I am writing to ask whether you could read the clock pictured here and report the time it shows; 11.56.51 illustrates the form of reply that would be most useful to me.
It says 7.22.28
